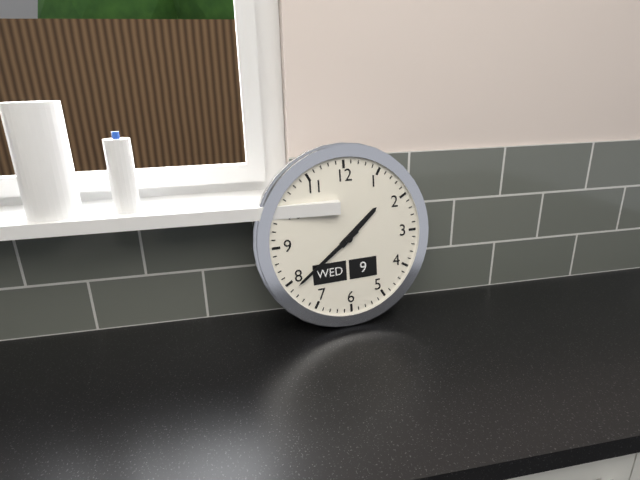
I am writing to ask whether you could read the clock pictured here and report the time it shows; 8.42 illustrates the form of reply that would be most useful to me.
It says 1.39
